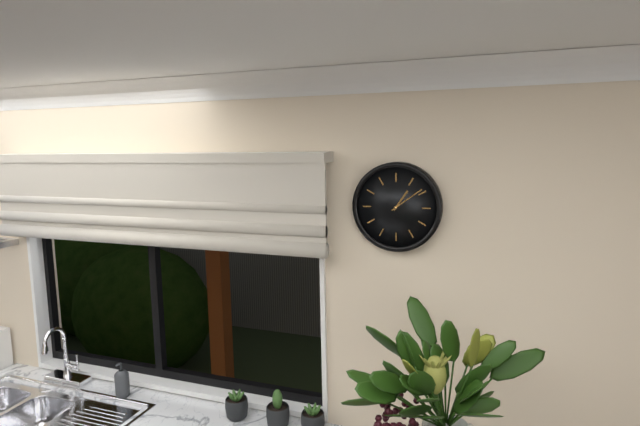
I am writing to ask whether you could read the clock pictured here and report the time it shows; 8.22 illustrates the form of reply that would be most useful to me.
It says 1.09
